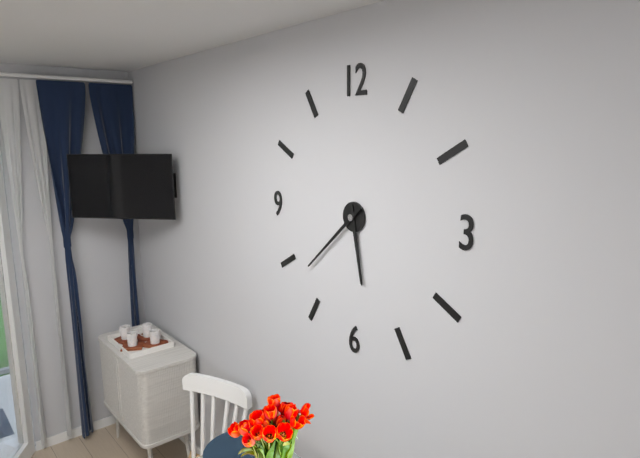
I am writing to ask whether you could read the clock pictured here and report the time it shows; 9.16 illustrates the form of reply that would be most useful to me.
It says 5.38
